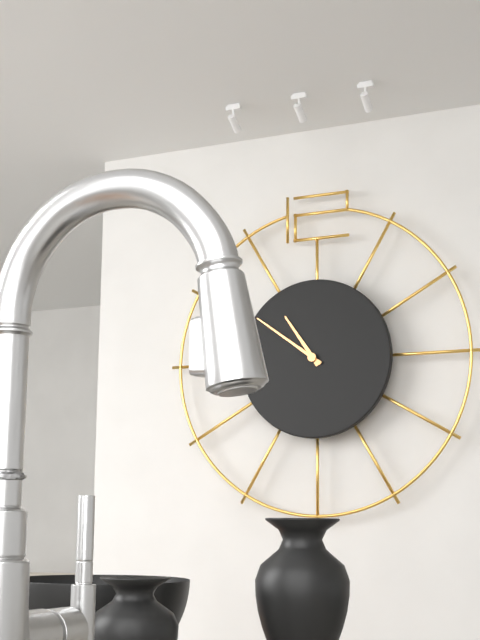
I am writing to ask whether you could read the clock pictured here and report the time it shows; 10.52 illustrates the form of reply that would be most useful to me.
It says 10.51
